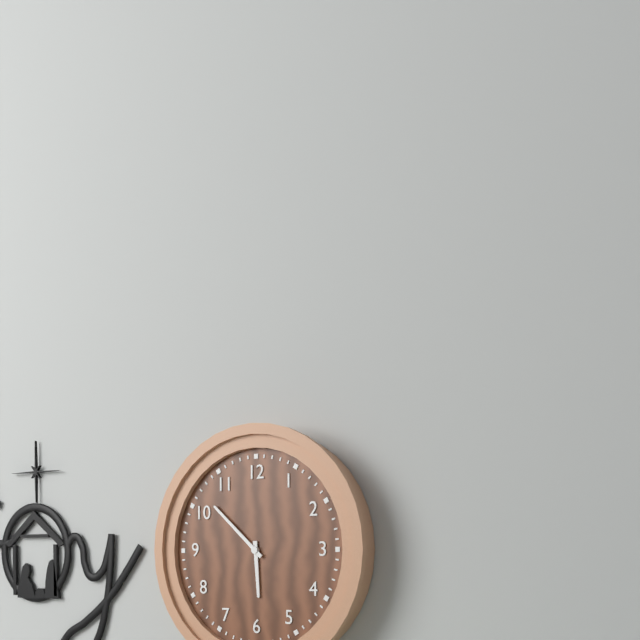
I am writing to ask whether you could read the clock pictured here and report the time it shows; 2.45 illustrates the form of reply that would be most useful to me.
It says 5.52
